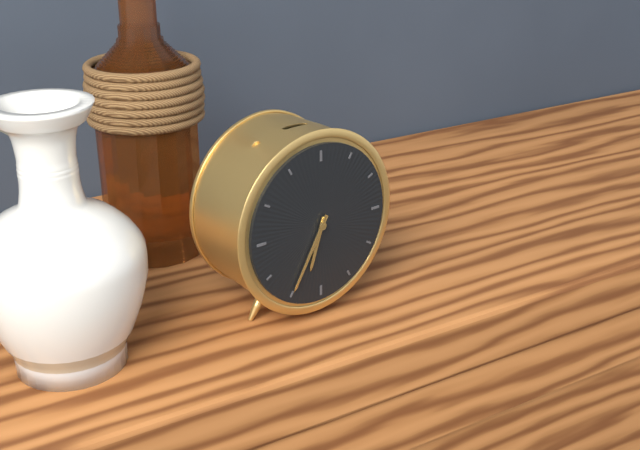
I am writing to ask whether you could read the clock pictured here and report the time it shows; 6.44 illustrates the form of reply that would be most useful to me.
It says 6.35
